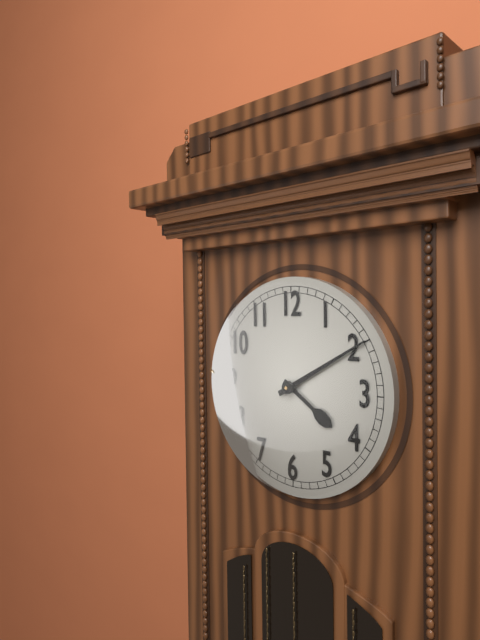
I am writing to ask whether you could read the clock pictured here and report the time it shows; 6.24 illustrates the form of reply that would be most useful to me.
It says 4.10
